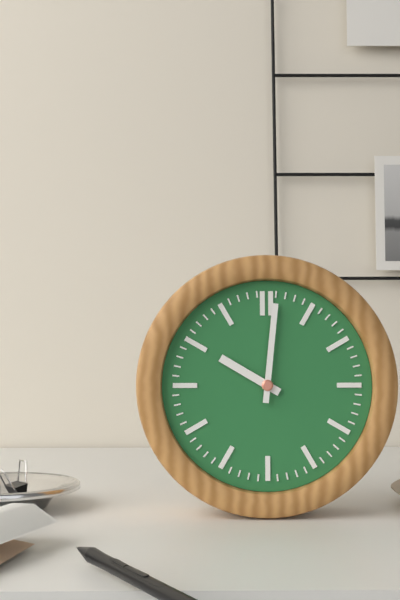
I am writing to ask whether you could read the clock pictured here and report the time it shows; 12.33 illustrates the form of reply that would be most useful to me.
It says 10.01
